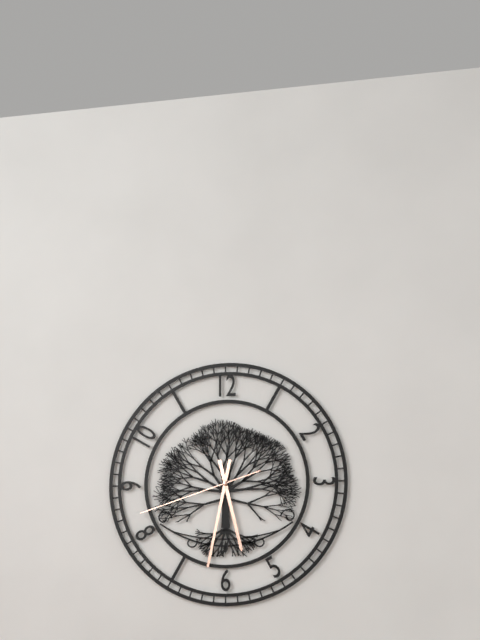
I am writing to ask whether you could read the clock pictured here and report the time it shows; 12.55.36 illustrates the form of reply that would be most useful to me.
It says 5.32.42
